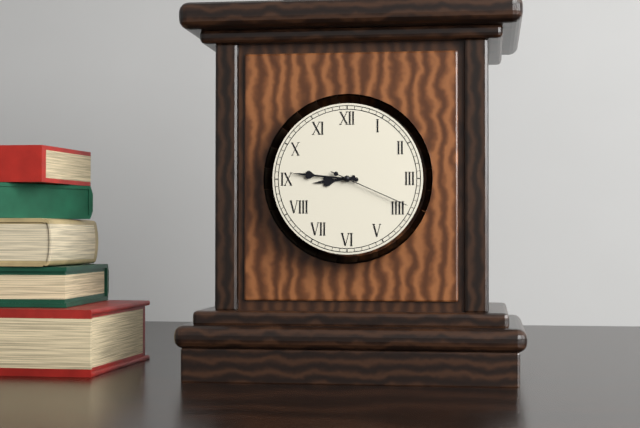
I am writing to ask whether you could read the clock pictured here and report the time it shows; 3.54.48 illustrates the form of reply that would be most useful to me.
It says 8.46.19
